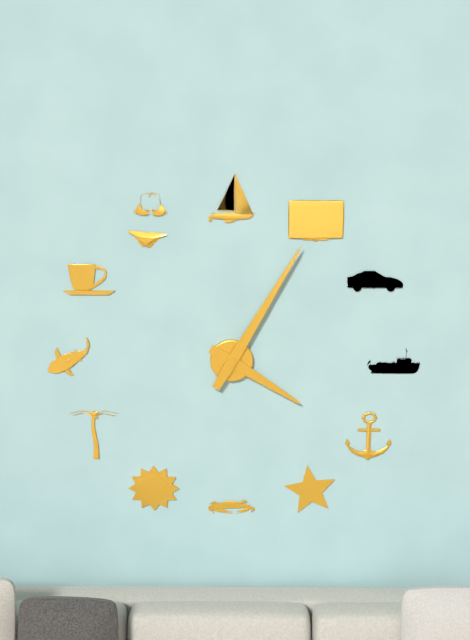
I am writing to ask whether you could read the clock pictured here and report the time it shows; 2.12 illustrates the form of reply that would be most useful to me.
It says 4.05
